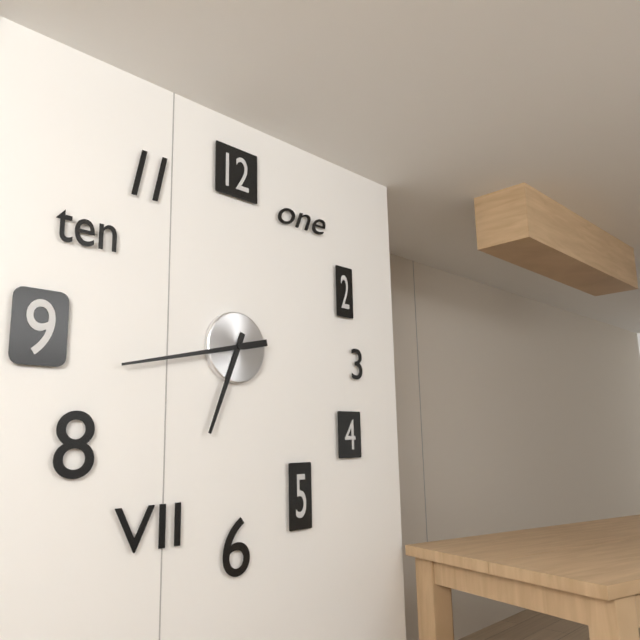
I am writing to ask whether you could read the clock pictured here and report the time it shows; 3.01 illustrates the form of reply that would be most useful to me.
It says 6.43
